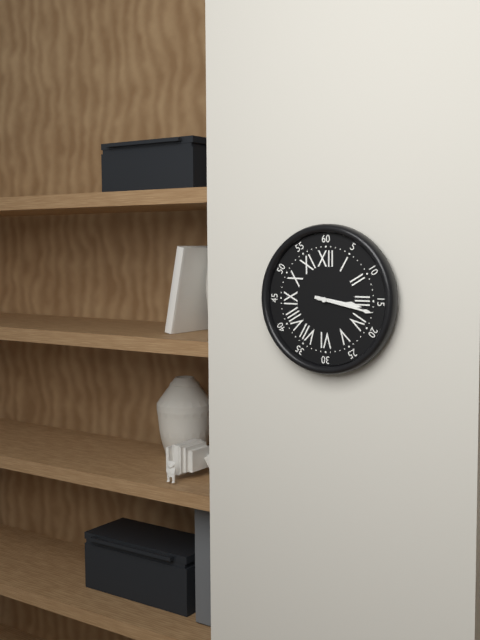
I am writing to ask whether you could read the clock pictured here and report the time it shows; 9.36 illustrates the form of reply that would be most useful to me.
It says 3.17
